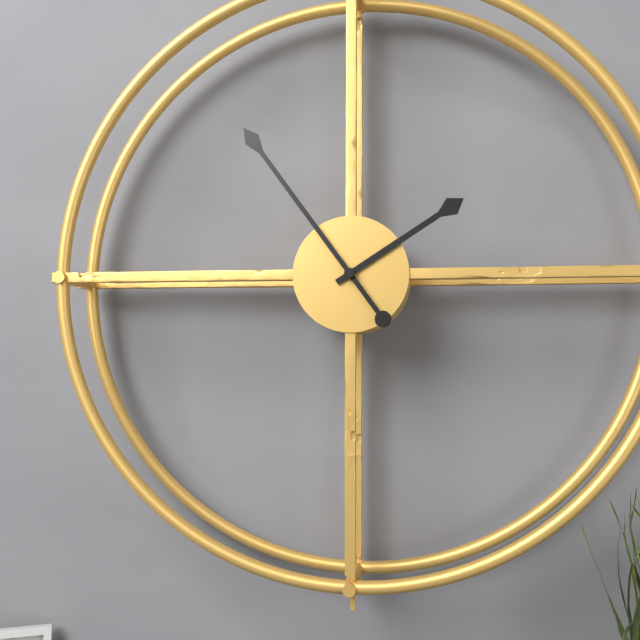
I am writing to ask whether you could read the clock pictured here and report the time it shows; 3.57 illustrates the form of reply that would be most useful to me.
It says 1.54
